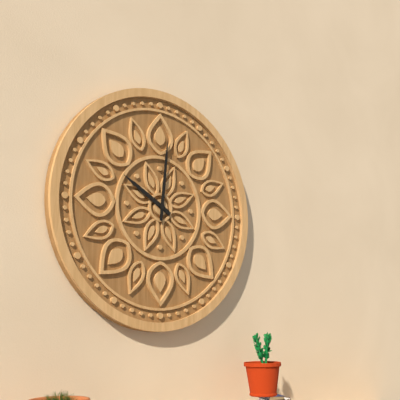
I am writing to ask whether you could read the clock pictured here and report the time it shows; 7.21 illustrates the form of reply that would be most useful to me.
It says 10.01
